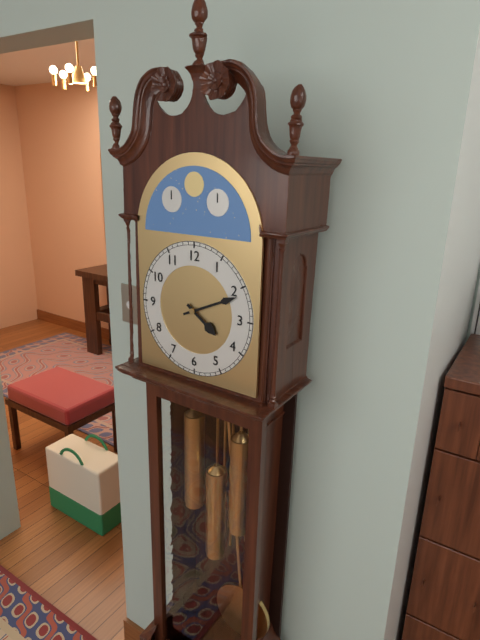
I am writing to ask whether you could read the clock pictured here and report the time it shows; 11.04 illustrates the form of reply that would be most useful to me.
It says 4.11
